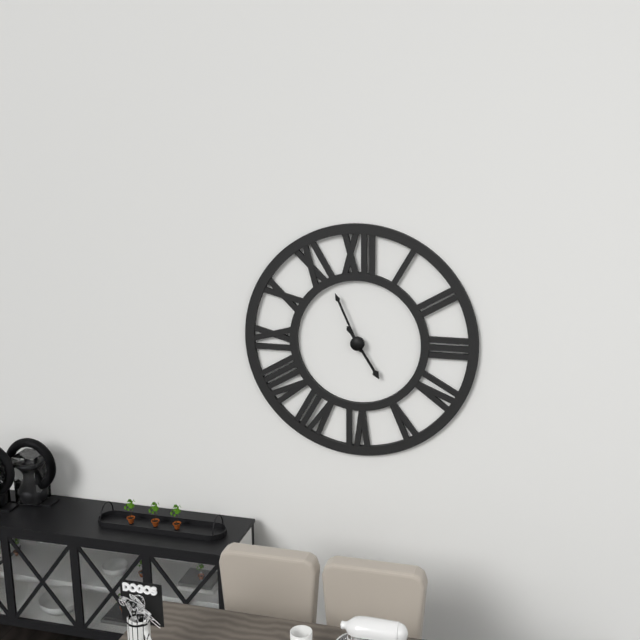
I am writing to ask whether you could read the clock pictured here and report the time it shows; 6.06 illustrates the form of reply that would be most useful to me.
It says 4.56
